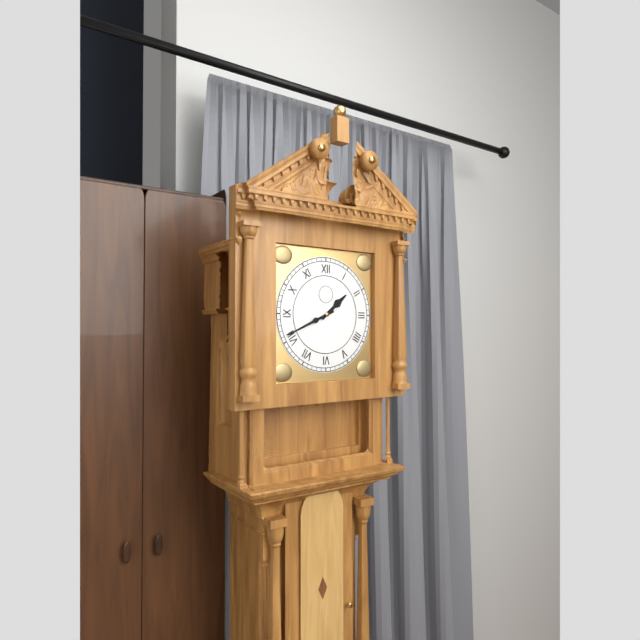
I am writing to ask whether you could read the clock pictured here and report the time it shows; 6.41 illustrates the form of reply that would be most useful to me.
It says 1.41
